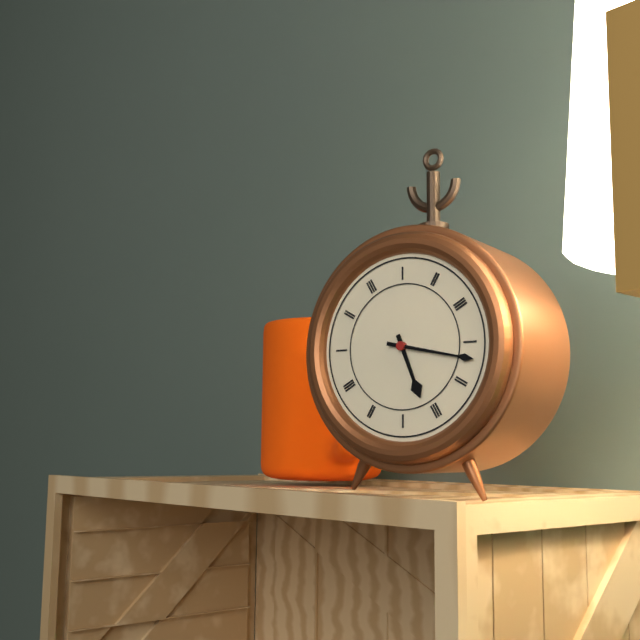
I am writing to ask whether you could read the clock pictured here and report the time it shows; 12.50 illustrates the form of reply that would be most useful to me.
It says 5.17
